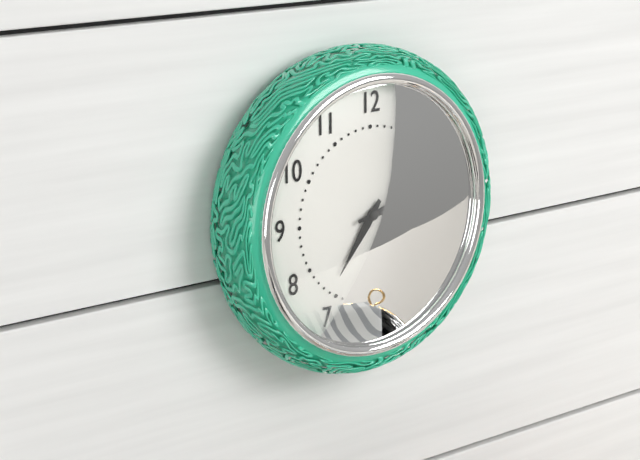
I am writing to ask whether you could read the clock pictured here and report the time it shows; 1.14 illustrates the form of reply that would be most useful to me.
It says 7.13
